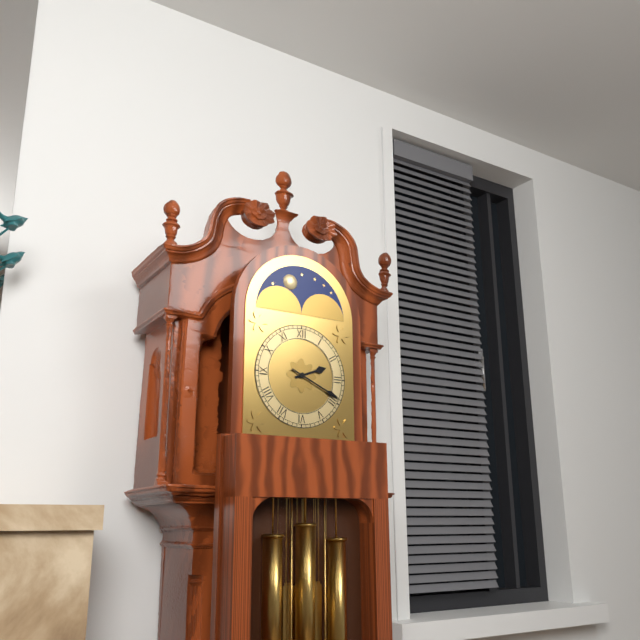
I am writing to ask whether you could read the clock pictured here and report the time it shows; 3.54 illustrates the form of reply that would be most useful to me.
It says 2.19
